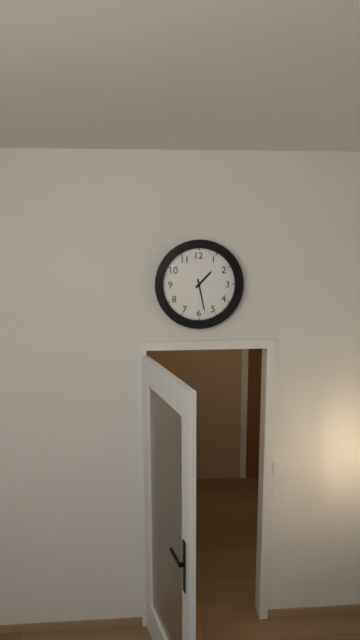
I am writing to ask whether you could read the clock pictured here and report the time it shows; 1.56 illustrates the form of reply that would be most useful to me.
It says 1.28
